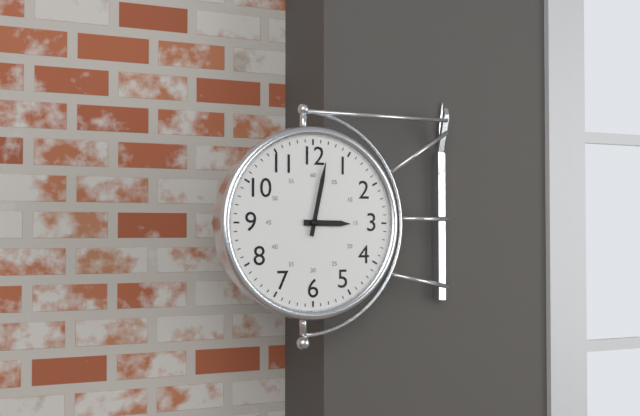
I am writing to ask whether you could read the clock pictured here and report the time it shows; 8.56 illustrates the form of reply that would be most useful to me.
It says 3.02
